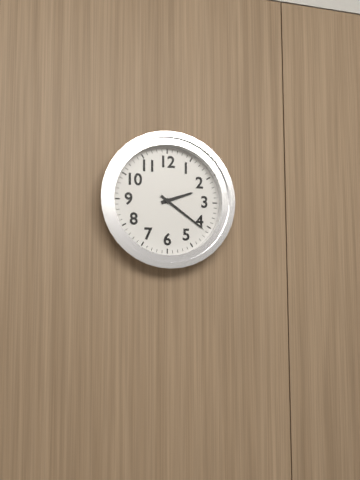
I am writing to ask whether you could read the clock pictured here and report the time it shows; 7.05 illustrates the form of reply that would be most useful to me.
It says 2.21
